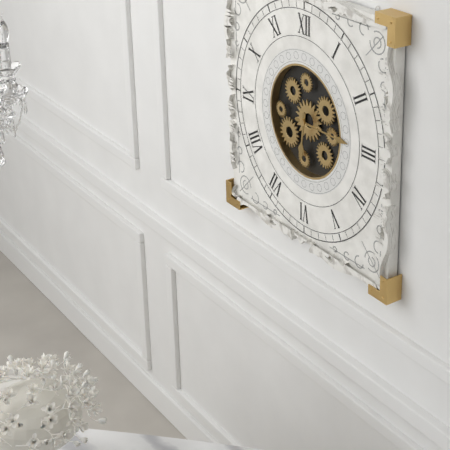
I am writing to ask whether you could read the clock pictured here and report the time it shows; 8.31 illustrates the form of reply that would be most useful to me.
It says 6.15
